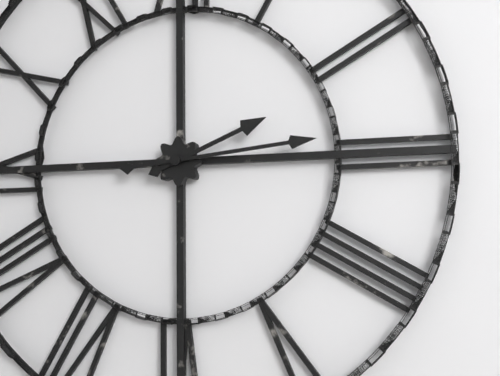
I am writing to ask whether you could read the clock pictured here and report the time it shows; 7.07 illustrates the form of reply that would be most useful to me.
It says 2.14
